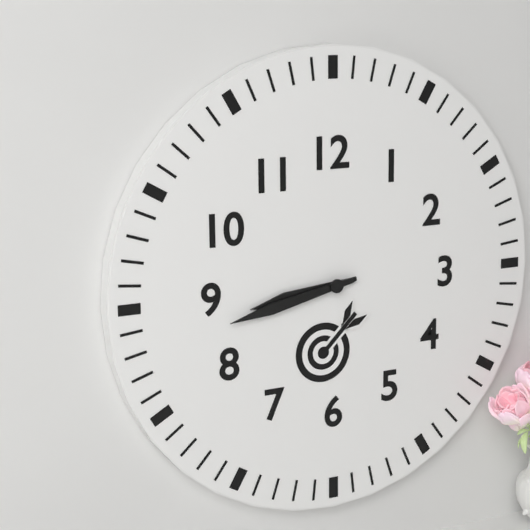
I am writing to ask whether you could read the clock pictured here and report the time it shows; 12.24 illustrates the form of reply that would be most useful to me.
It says 8.43
